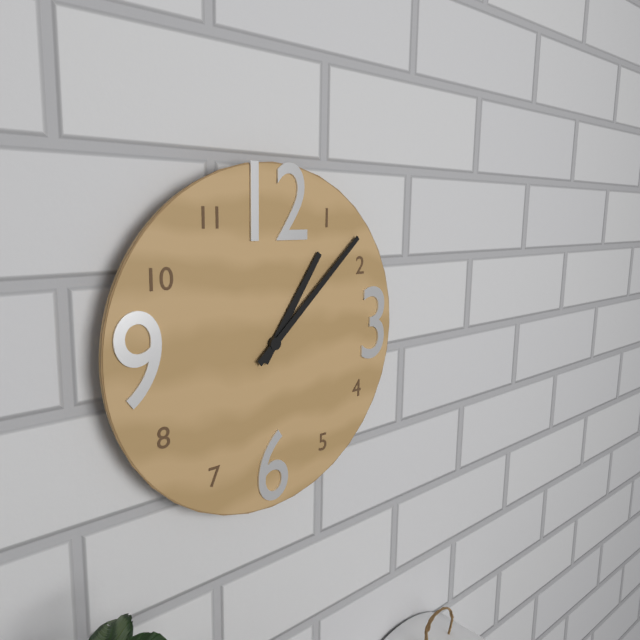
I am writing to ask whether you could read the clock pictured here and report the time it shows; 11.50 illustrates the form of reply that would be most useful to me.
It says 1.08
